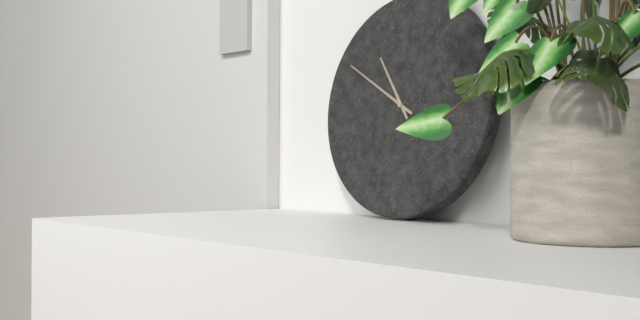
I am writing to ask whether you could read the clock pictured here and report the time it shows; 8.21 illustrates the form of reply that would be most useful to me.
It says 10.50
